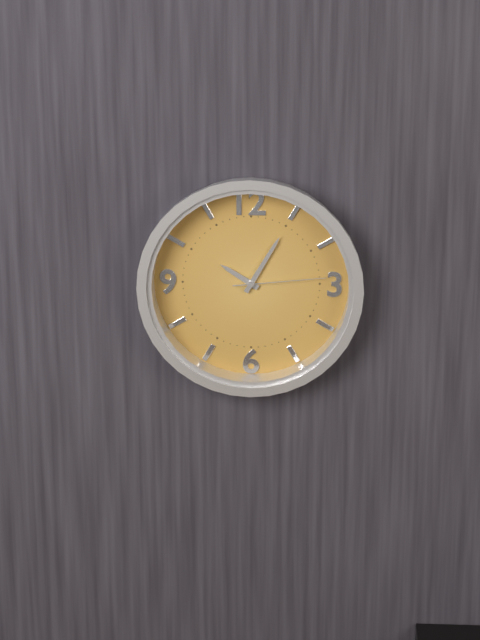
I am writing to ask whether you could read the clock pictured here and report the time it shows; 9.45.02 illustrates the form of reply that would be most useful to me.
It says 10.05.14
